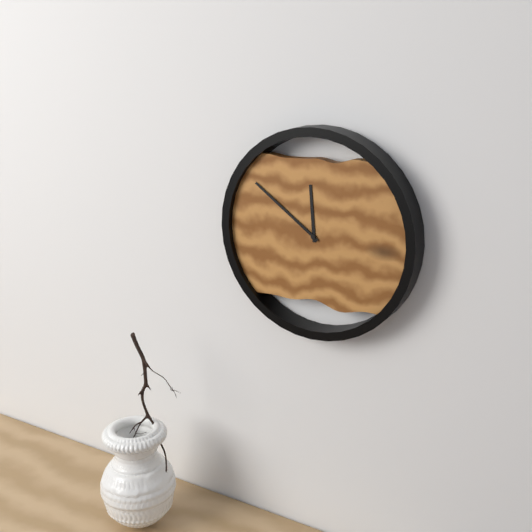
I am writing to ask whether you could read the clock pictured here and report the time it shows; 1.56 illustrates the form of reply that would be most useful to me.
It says 11.51
